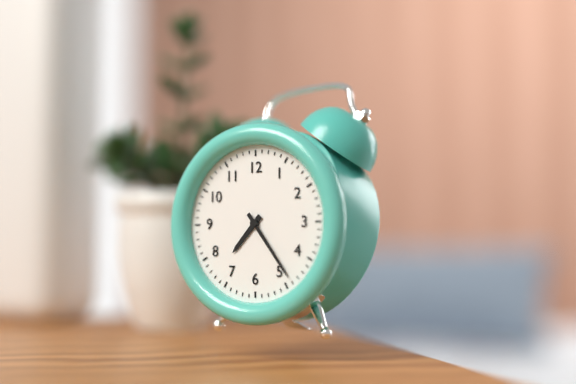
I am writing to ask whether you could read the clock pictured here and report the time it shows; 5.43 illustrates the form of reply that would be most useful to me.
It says 7.24
